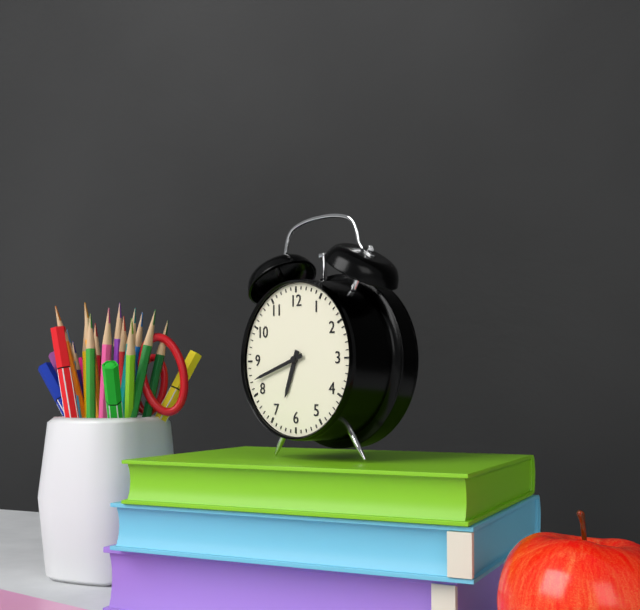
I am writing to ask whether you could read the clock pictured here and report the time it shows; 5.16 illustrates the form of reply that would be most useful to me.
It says 6.42
